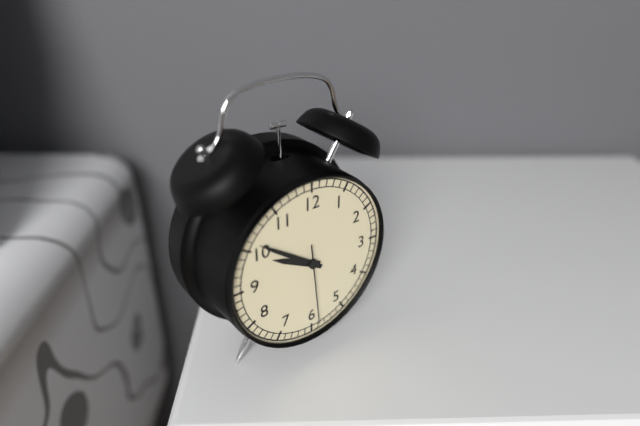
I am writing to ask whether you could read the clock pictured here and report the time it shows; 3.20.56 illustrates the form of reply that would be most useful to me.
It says 9.51.29
